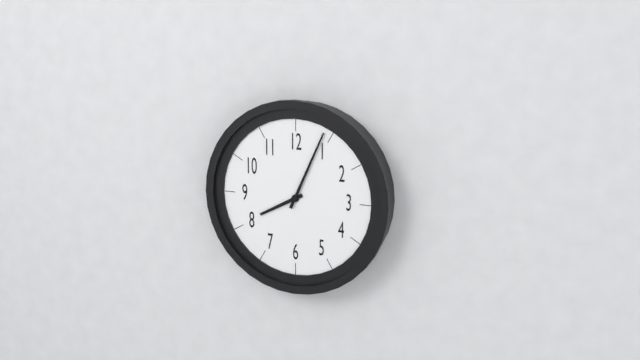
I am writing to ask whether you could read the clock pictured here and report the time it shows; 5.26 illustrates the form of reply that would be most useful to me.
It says 8.04
